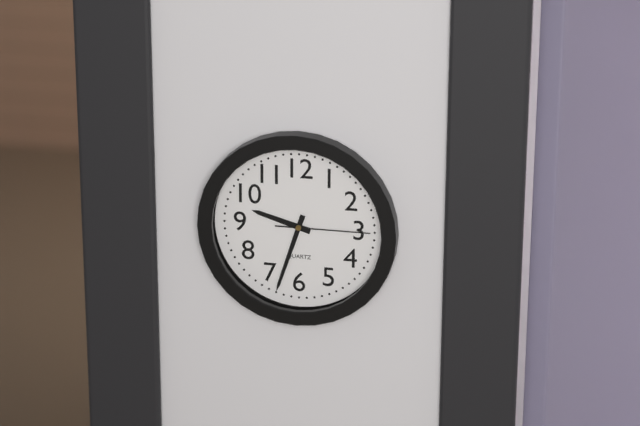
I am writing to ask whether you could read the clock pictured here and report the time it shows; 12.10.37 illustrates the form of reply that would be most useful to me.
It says 9.33.15
